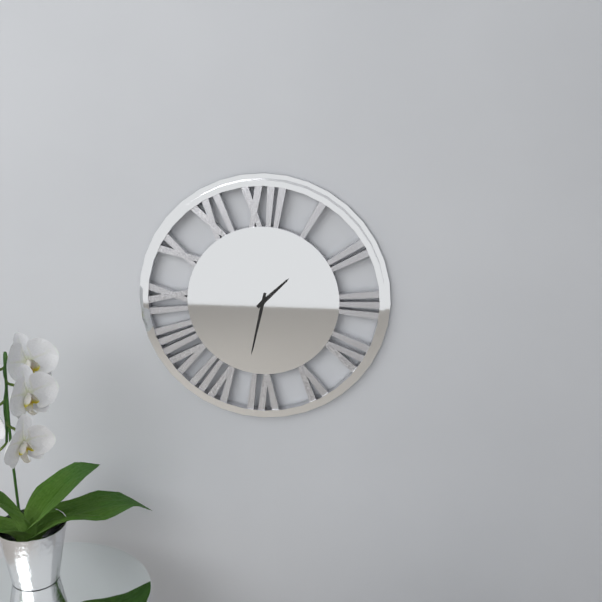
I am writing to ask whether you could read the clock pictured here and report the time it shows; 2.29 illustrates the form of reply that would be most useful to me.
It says 1.32
